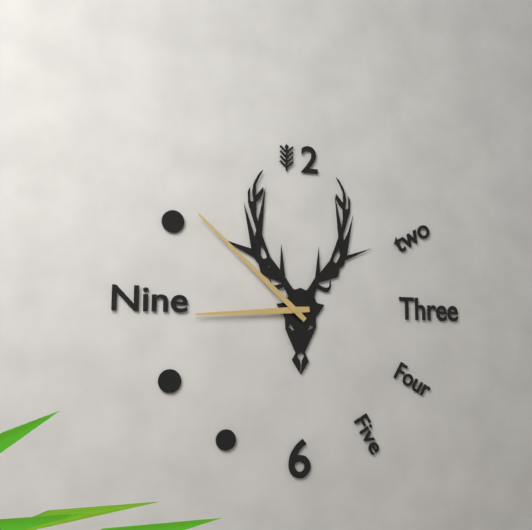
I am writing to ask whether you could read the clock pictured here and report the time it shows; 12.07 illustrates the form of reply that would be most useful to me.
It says 8.52
